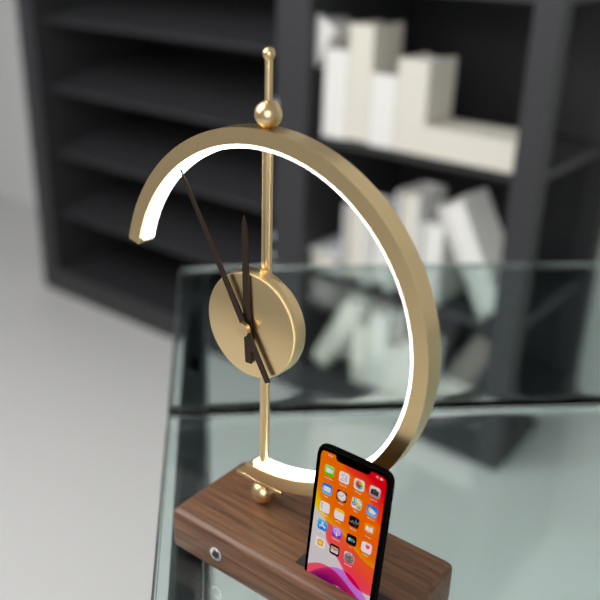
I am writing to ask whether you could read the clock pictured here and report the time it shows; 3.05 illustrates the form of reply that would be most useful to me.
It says 11.55
